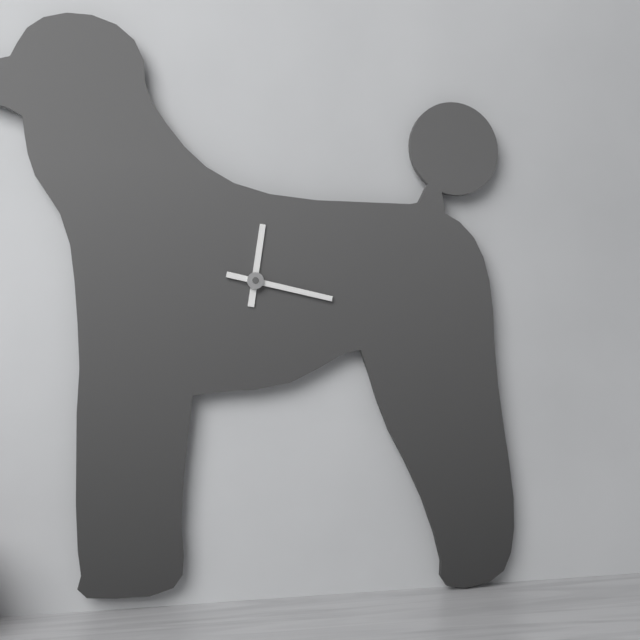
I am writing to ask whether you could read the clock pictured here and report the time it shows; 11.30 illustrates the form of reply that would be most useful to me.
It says 12.17
